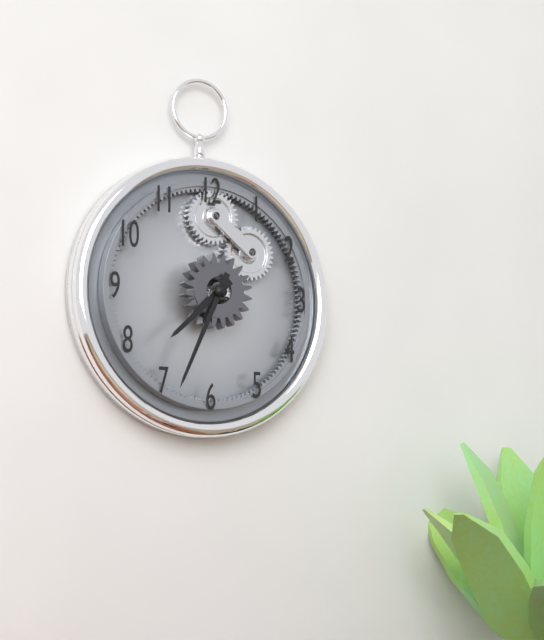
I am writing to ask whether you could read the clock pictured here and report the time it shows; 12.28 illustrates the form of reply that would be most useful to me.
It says 7.34
